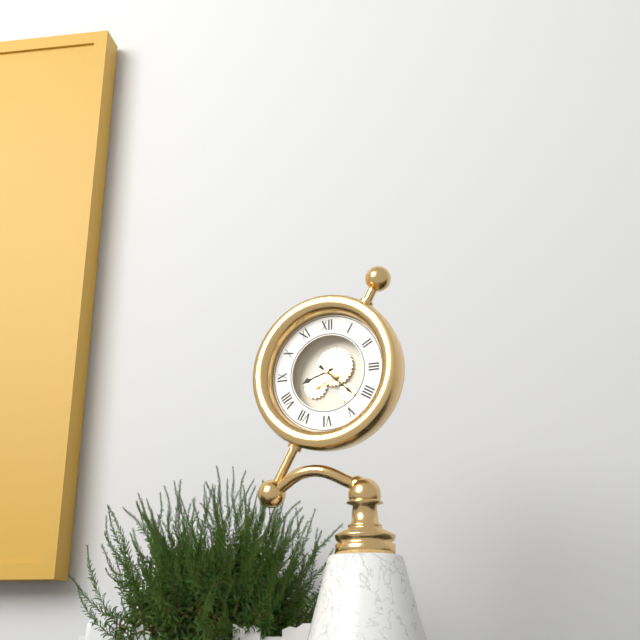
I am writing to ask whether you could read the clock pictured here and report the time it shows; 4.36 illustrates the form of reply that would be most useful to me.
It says 8.22
